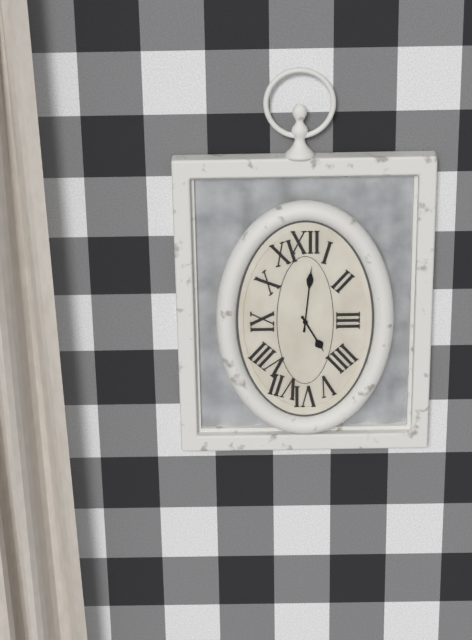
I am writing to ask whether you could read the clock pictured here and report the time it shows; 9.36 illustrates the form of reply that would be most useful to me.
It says 5.01
